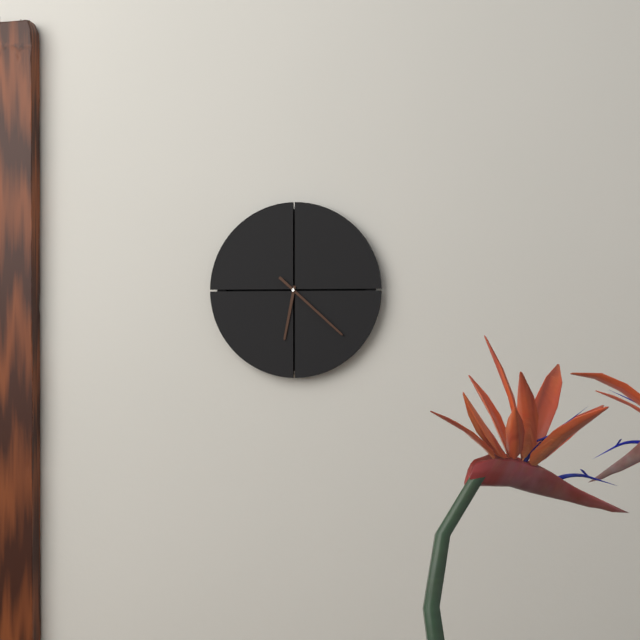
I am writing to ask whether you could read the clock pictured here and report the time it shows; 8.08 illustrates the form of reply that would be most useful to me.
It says 6.22
